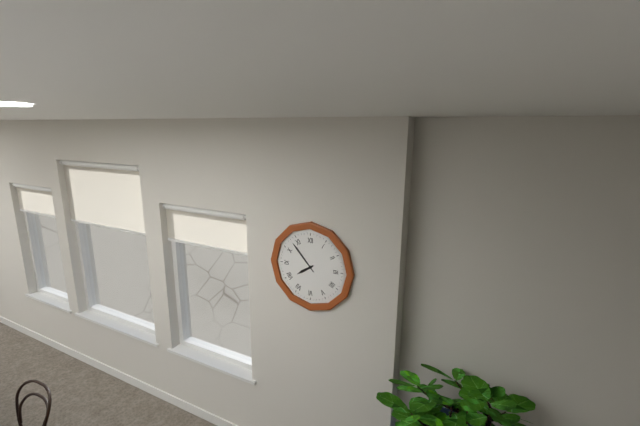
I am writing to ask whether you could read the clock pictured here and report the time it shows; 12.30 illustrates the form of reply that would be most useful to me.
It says 7.53
